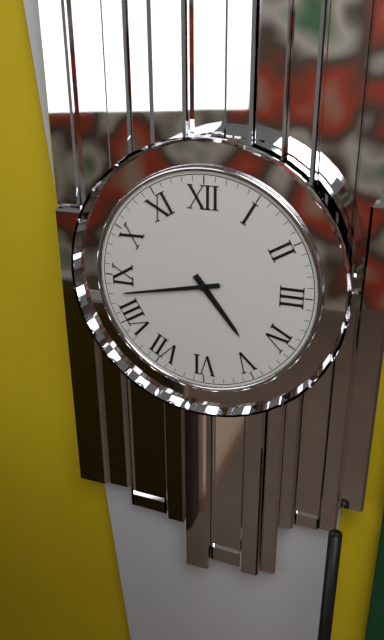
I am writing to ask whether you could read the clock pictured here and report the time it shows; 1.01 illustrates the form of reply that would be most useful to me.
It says 4.43
